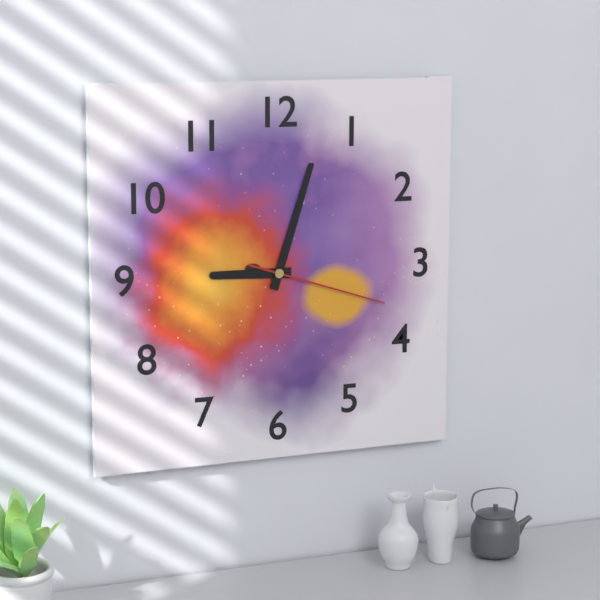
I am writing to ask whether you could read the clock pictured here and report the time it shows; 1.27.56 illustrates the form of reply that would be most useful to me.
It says 9.03.18
